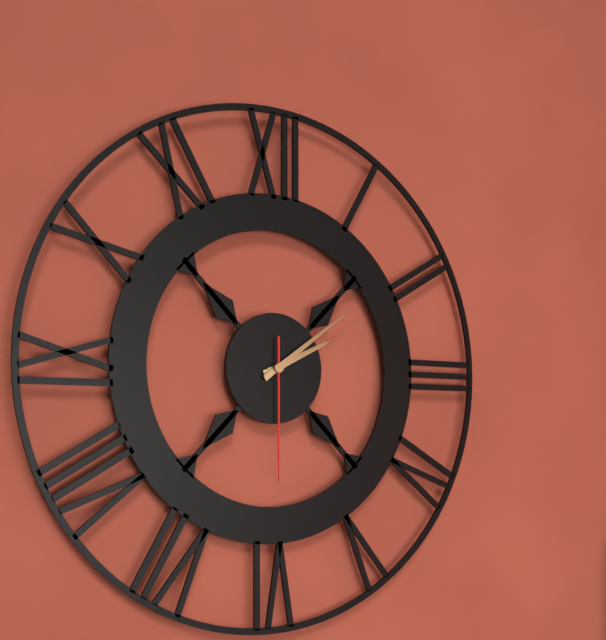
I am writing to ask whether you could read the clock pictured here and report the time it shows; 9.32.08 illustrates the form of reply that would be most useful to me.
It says 2.09.30
